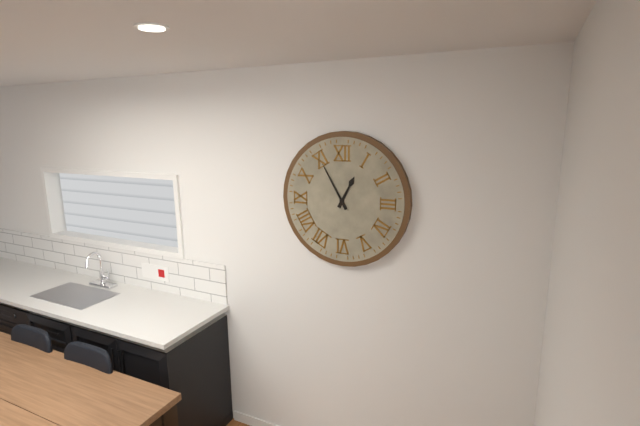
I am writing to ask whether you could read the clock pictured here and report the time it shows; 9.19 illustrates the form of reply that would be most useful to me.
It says 12.55
